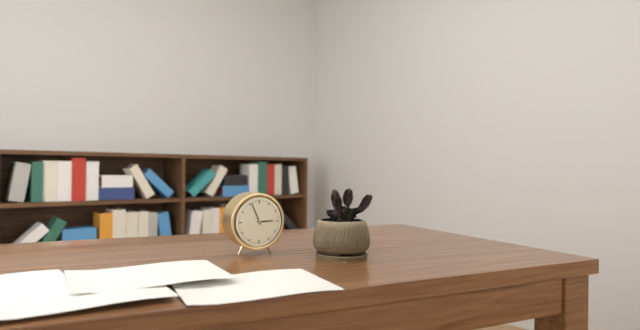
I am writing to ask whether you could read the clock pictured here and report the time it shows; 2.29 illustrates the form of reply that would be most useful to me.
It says 2.56
